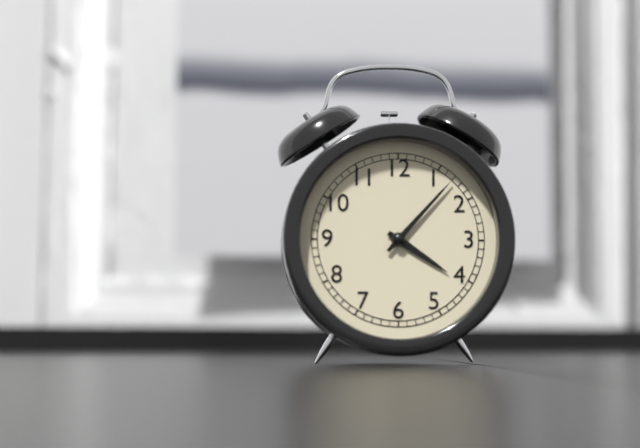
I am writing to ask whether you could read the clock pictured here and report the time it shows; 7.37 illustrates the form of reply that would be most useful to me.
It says 4.07
